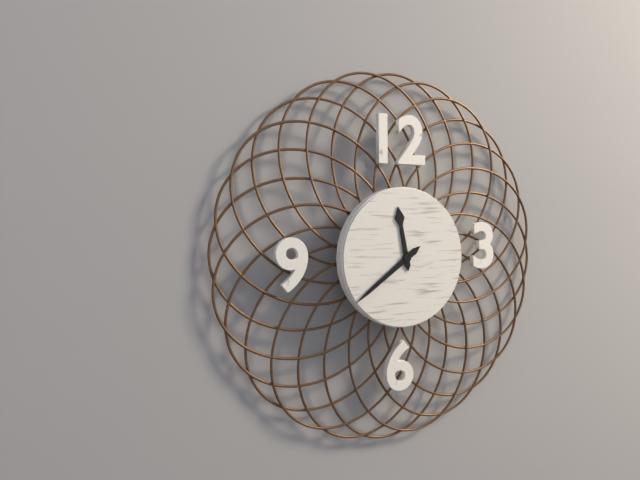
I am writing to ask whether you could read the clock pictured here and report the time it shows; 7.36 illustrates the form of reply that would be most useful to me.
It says 11.39
